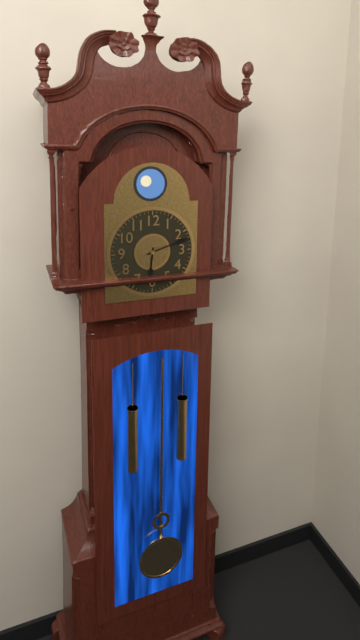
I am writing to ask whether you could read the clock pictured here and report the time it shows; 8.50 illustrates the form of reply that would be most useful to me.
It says 6.12
